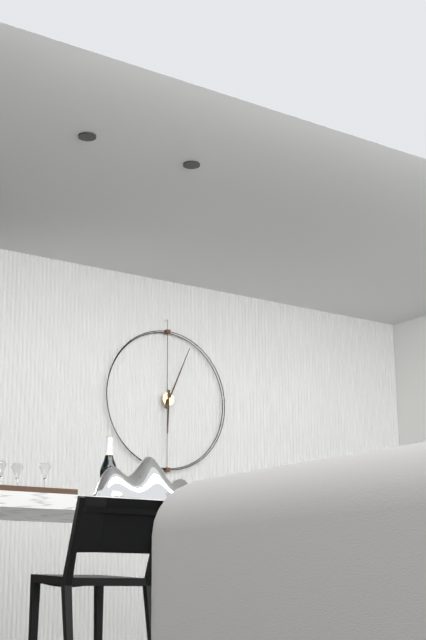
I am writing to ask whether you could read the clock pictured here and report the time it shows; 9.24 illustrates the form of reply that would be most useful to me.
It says 6.04
